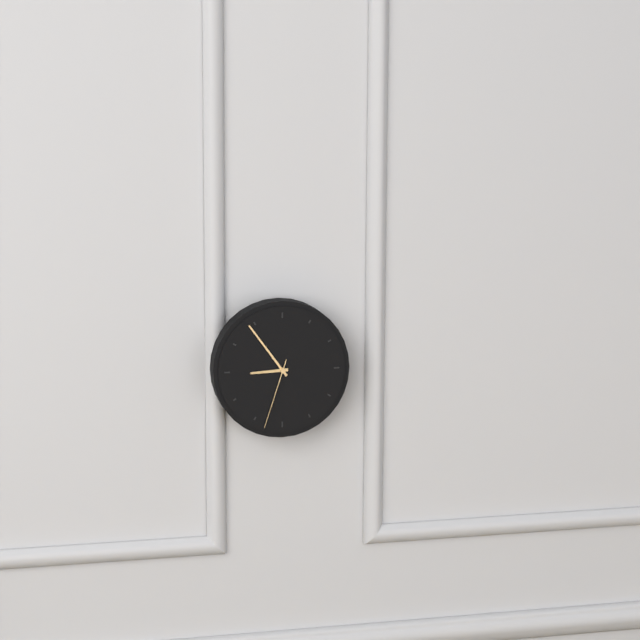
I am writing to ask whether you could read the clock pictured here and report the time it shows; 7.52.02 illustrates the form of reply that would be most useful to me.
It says 8.54.33
